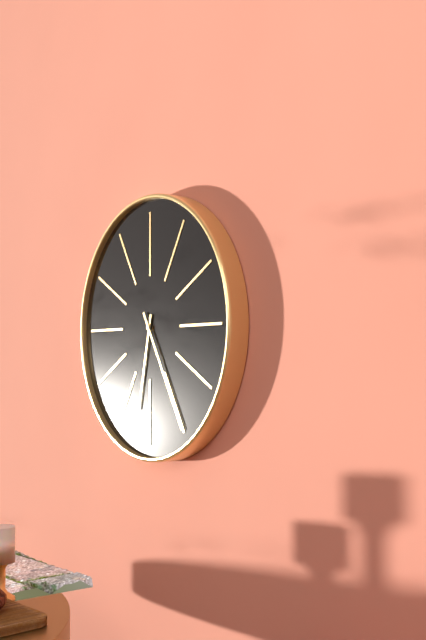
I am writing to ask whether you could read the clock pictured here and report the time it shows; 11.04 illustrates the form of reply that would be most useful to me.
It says 6.25
